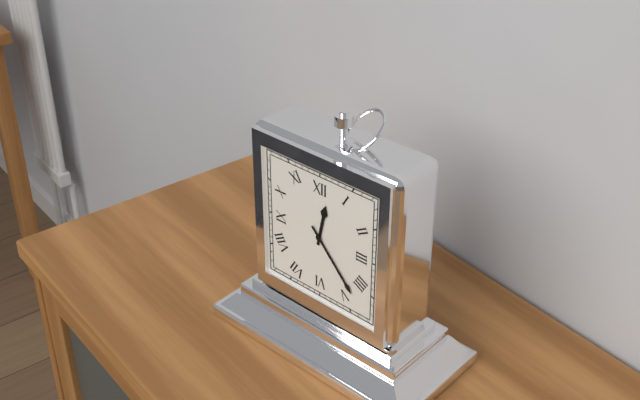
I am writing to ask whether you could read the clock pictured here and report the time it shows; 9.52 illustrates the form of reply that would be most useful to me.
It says 12.23
